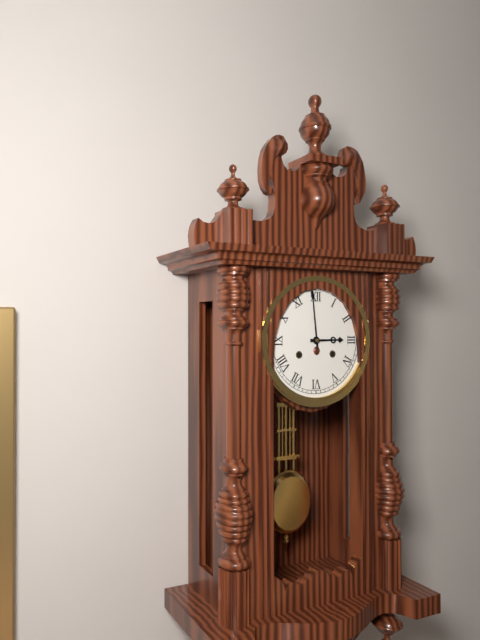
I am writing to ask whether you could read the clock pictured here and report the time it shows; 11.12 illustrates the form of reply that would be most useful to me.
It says 2.59
